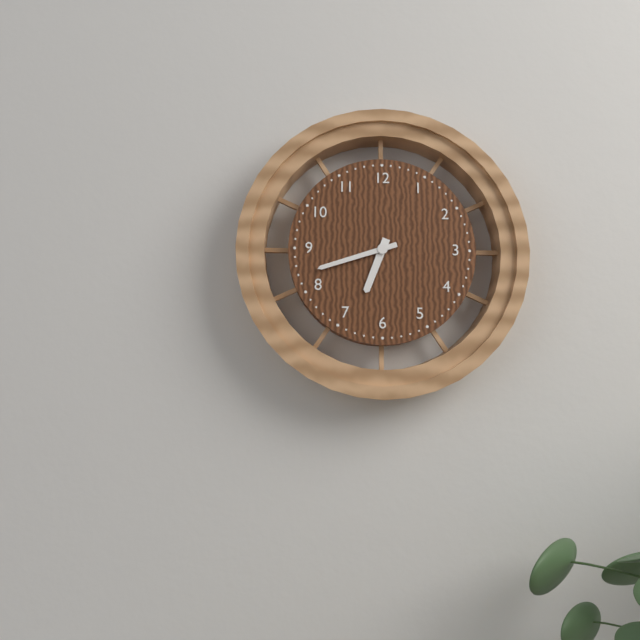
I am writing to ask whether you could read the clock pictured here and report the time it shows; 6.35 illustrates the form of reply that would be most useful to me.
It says 6.42
